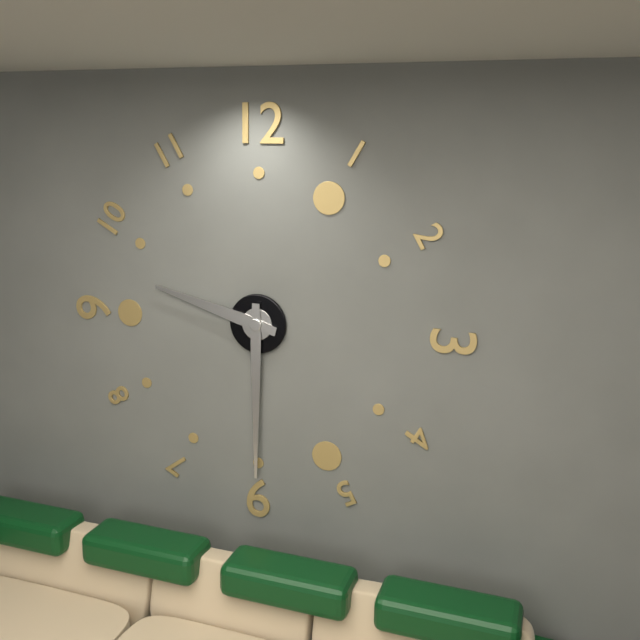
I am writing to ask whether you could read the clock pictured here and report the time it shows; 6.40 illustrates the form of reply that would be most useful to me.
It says 9.30
